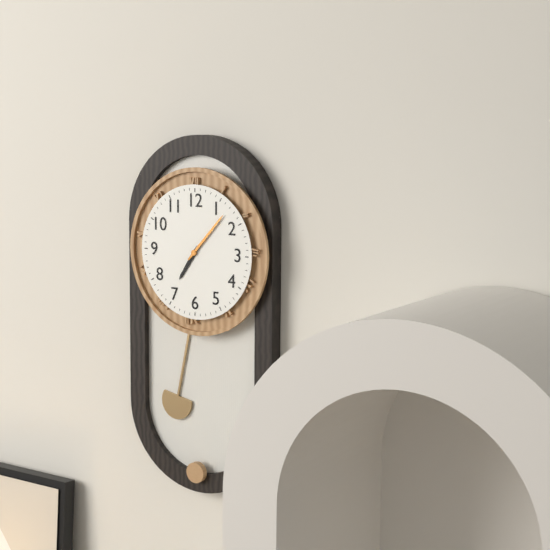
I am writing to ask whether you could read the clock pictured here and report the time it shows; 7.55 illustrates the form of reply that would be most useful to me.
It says 7.07
